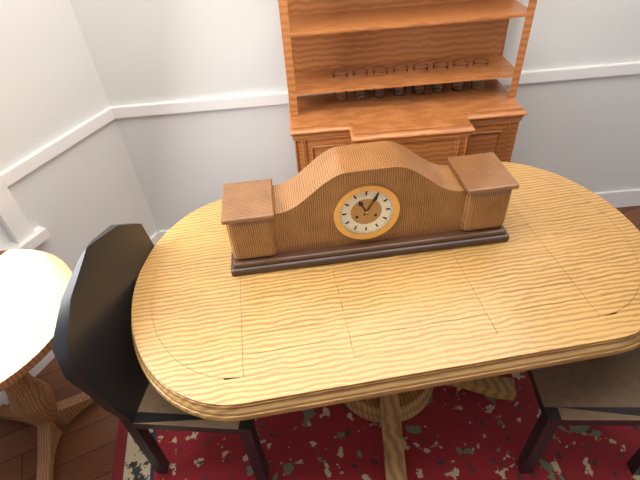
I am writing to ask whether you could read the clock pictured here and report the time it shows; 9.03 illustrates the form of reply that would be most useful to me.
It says 11.05
